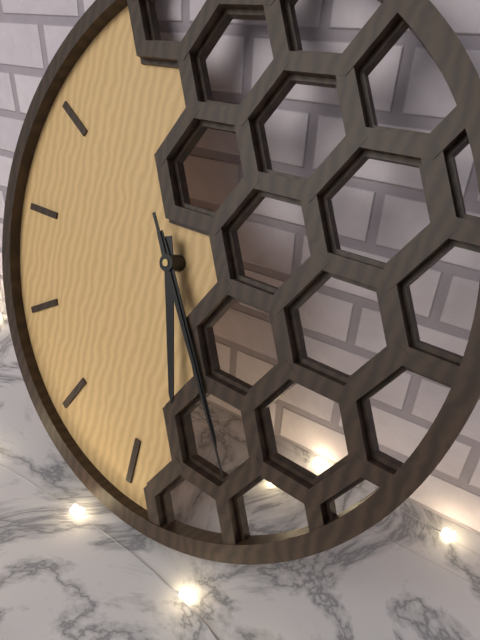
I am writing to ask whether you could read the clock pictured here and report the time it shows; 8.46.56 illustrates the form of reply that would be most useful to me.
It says 5.24.24
